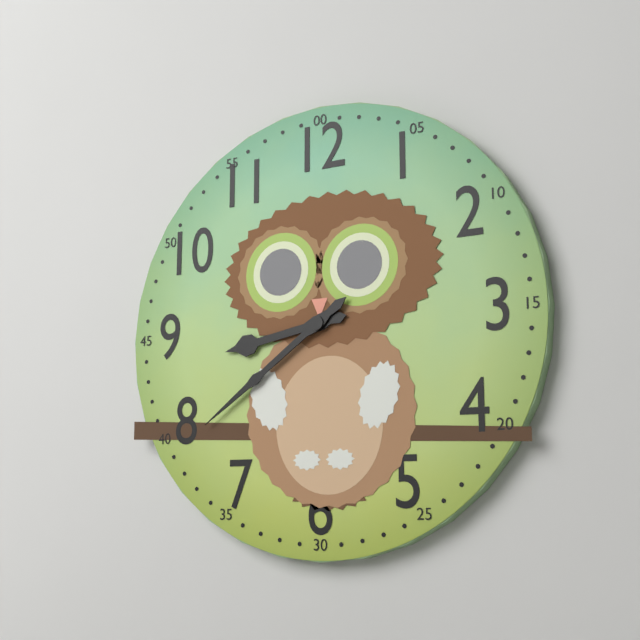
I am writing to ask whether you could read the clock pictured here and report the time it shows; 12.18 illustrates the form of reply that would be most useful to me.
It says 8.39
